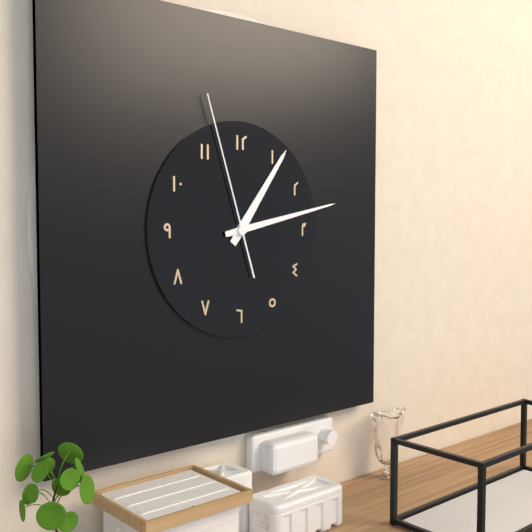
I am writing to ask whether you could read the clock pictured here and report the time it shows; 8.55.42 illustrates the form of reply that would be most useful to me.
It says 1.13.57
